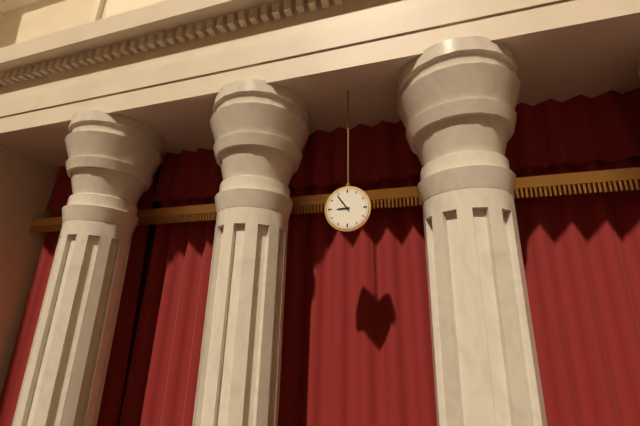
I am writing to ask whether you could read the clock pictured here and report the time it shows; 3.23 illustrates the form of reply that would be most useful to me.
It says 8.54
